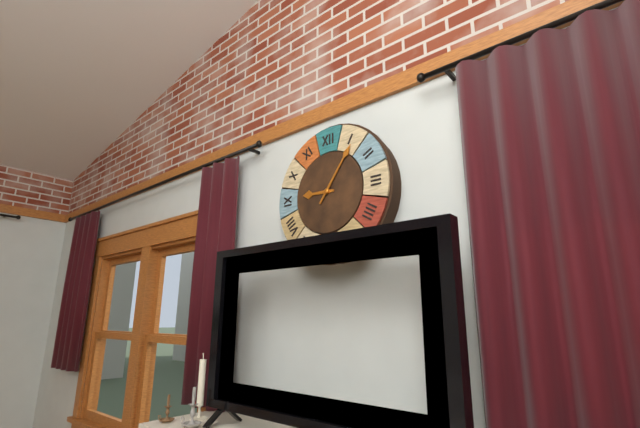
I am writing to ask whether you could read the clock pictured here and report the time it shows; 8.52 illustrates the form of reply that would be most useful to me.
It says 9.06
